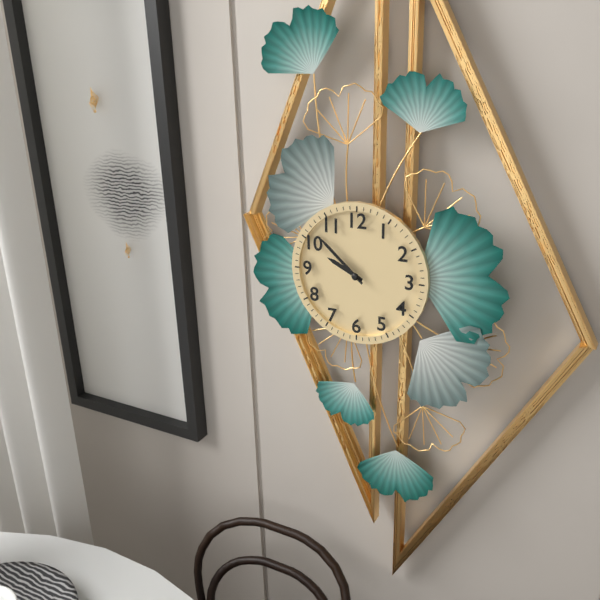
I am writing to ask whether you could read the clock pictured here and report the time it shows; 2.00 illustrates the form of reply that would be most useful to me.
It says 9.52
